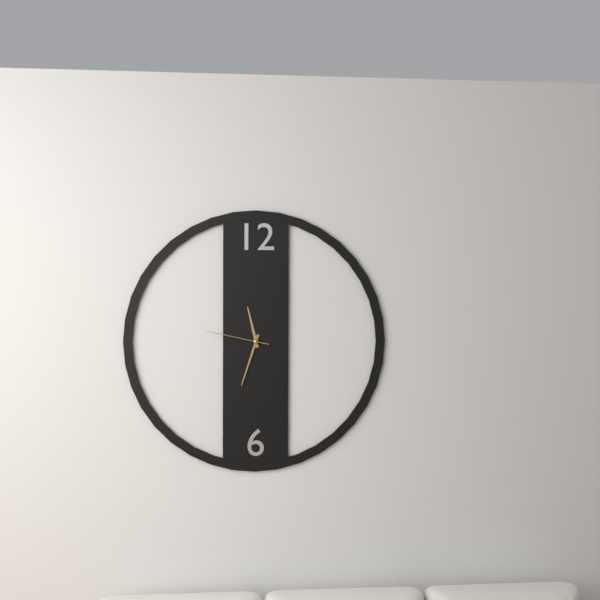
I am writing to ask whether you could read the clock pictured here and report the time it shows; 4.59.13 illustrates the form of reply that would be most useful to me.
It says 11.33.47
